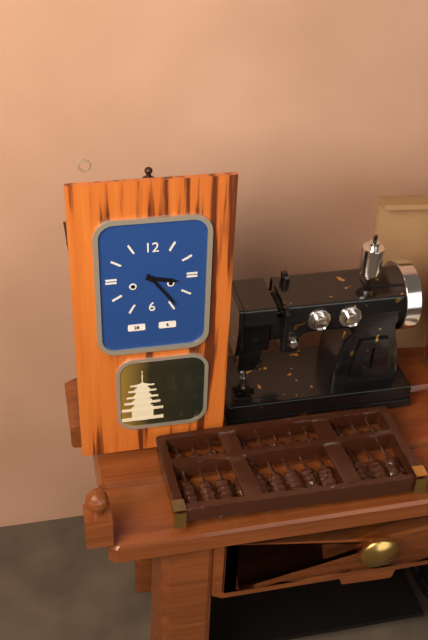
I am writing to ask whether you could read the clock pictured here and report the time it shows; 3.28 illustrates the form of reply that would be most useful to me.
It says 3.24
